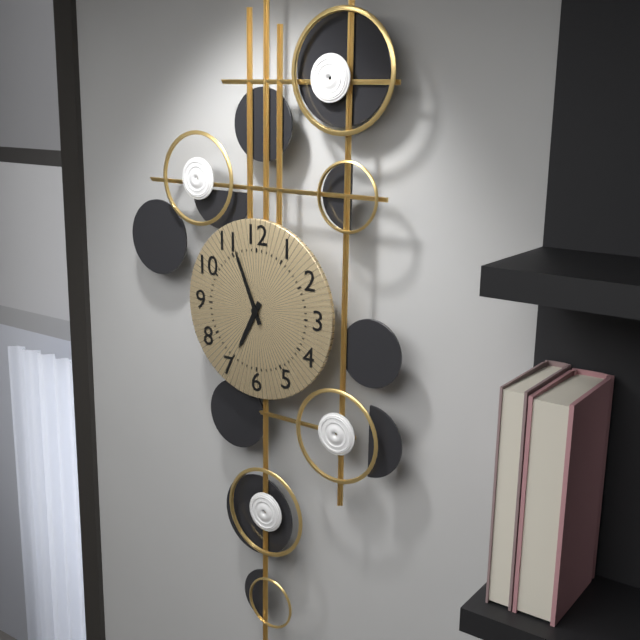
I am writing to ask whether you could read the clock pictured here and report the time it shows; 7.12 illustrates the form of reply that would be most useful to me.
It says 6.56
